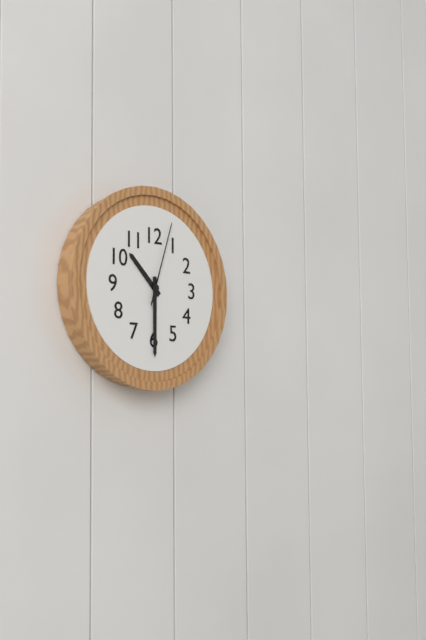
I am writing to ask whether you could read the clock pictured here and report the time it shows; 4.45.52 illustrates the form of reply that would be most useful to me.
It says 10.30.03
